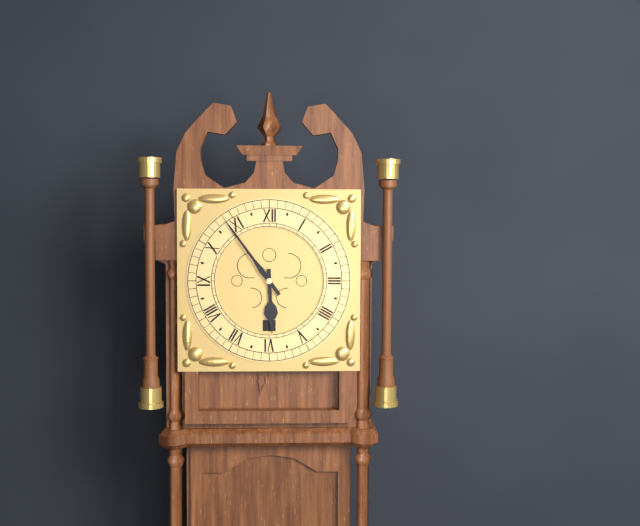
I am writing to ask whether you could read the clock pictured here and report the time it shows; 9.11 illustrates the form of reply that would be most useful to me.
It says 5.54
